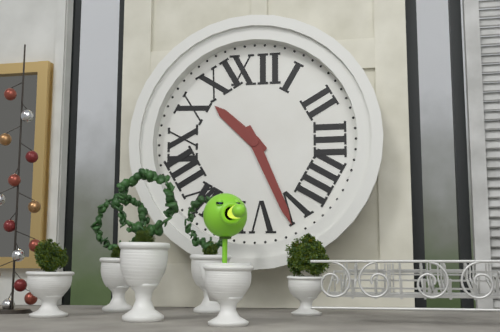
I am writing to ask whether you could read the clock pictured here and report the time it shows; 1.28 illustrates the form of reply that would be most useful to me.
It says 10.26
